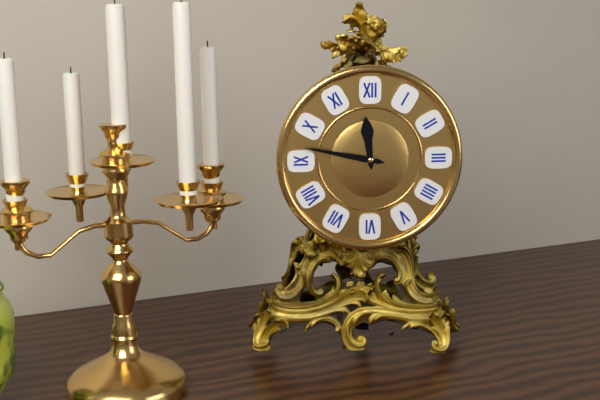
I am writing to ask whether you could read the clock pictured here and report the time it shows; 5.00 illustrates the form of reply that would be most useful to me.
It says 11.47
